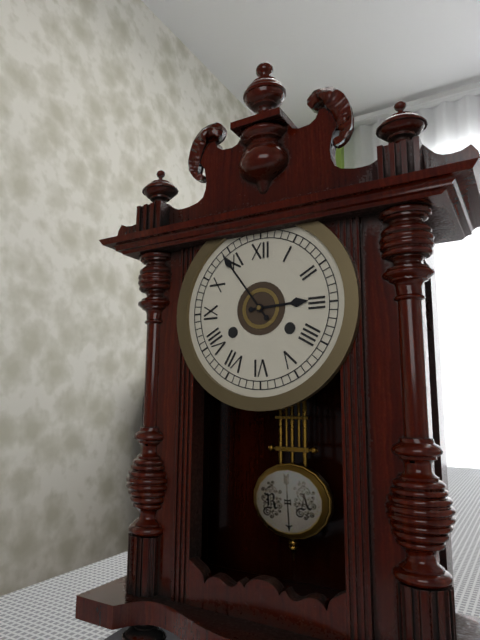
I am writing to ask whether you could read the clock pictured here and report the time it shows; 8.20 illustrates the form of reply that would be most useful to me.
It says 2.54
